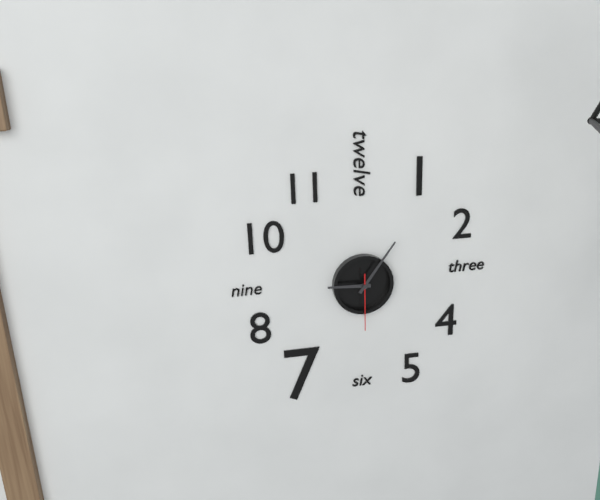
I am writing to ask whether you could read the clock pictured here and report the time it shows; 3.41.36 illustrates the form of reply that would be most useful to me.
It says 9.06.30
